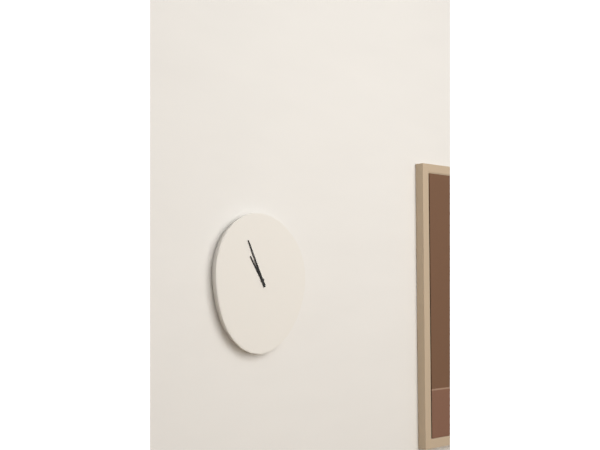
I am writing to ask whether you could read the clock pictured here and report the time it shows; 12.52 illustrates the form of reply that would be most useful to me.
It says 10.56
